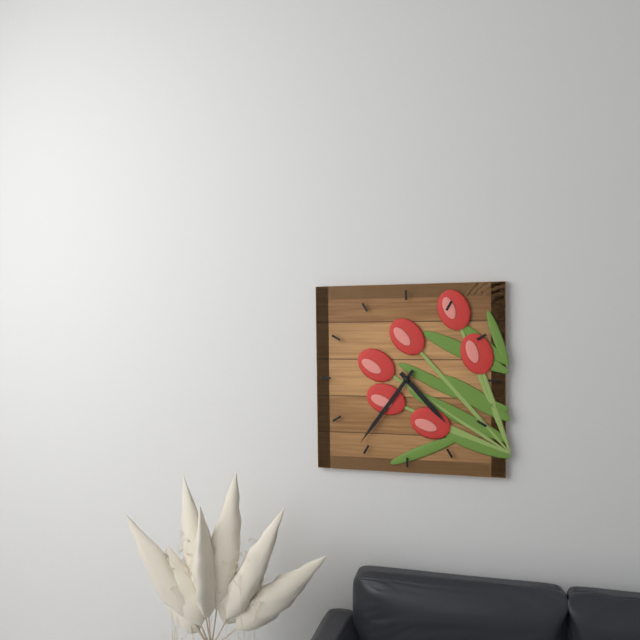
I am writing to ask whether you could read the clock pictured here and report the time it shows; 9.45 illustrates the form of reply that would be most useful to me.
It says 4.36
